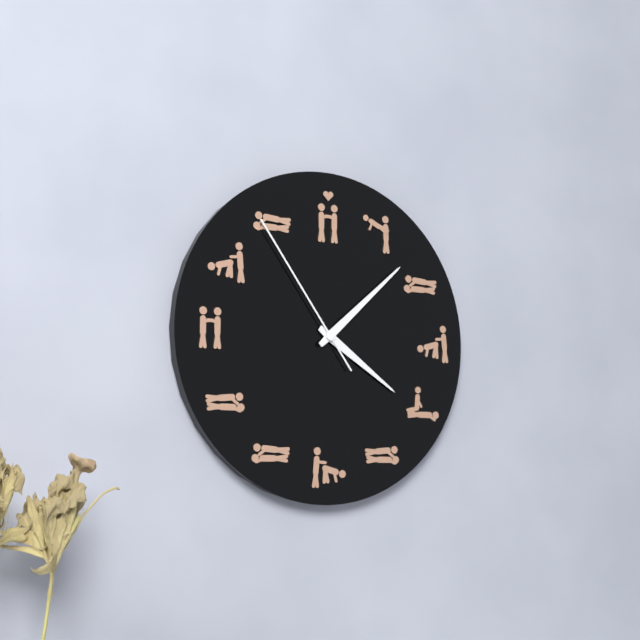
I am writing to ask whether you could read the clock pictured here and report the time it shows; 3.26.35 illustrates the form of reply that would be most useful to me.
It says 4.08.54
